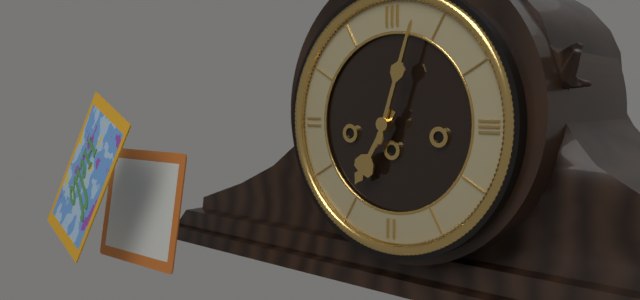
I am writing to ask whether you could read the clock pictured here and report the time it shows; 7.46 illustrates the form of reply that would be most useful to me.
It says 7.03
